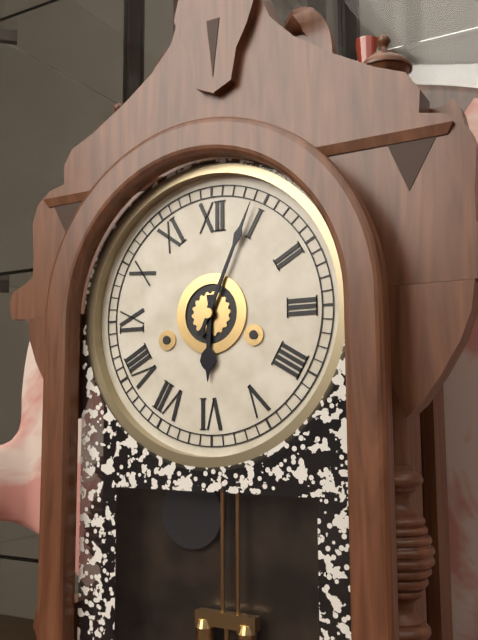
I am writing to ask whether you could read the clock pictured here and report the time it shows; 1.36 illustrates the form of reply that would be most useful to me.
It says 6.04
